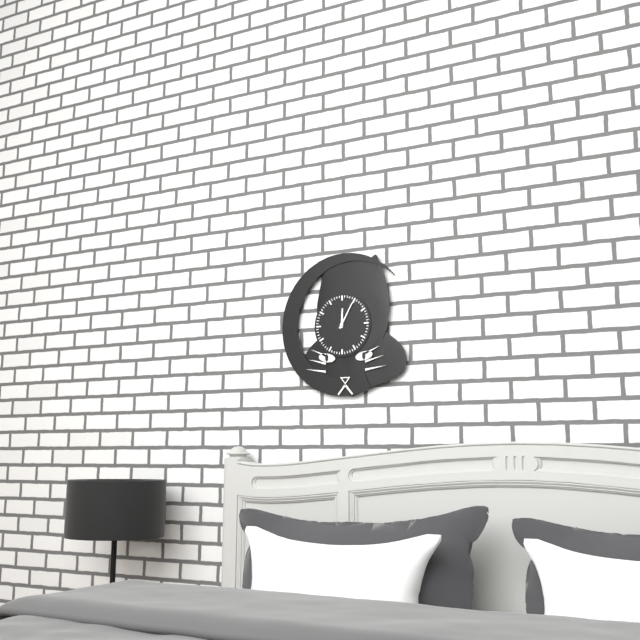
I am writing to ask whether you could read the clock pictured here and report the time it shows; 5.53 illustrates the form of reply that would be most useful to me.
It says 12.05
